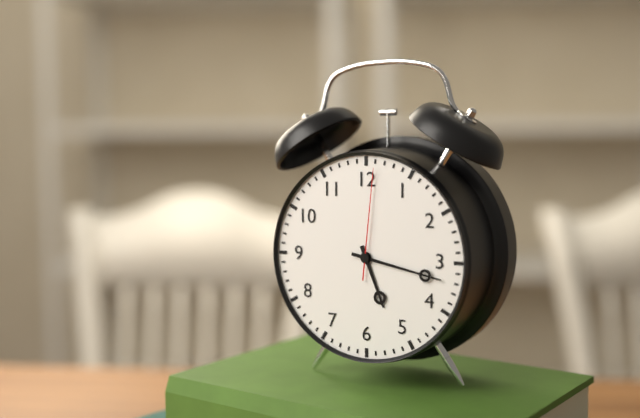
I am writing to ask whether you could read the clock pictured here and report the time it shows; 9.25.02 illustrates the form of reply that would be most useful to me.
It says 5.17.01
